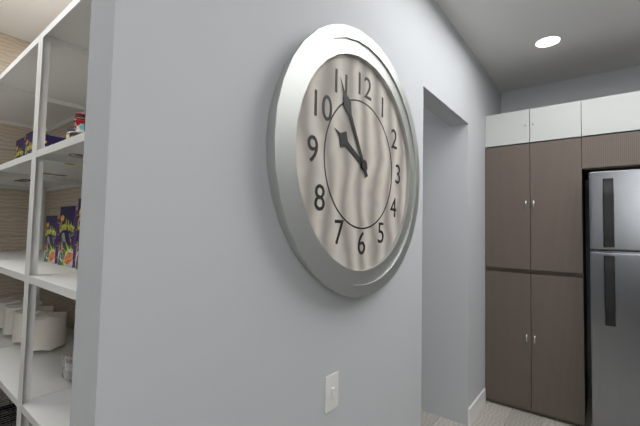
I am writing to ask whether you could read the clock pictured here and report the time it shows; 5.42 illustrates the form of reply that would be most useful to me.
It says 9.55
